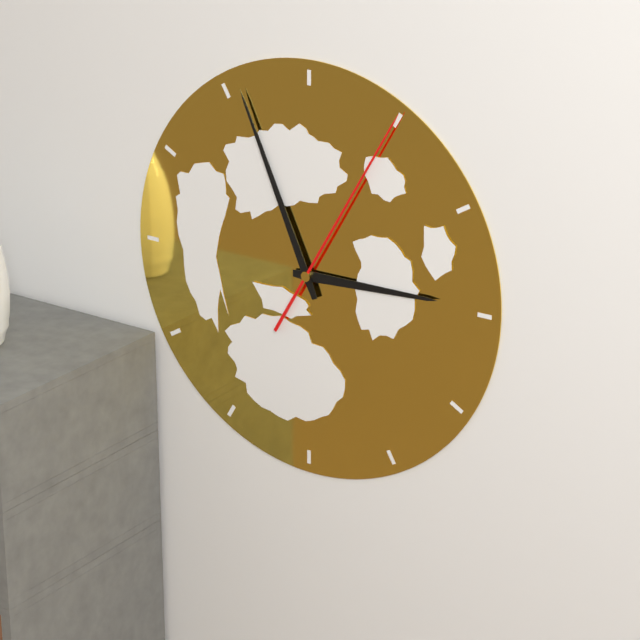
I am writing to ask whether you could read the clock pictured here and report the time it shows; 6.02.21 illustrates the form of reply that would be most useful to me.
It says 2.56.05
